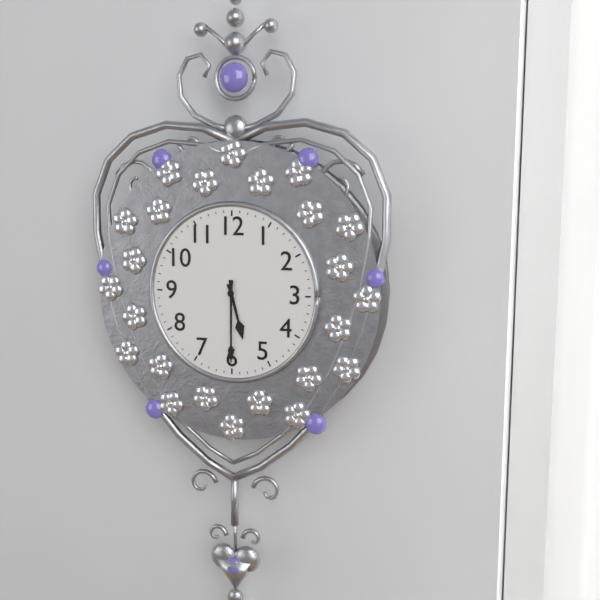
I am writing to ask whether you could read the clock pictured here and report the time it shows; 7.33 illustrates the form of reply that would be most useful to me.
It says 5.30
